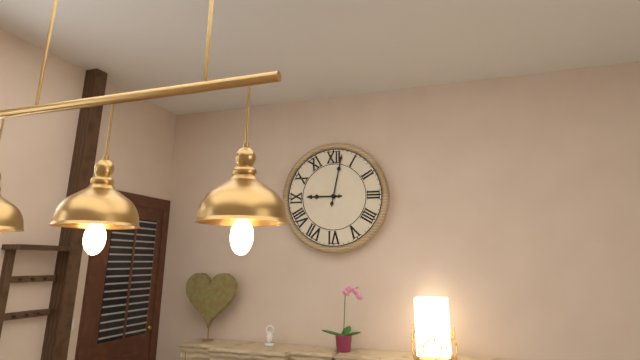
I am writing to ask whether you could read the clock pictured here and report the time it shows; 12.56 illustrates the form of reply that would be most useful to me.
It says 9.02
